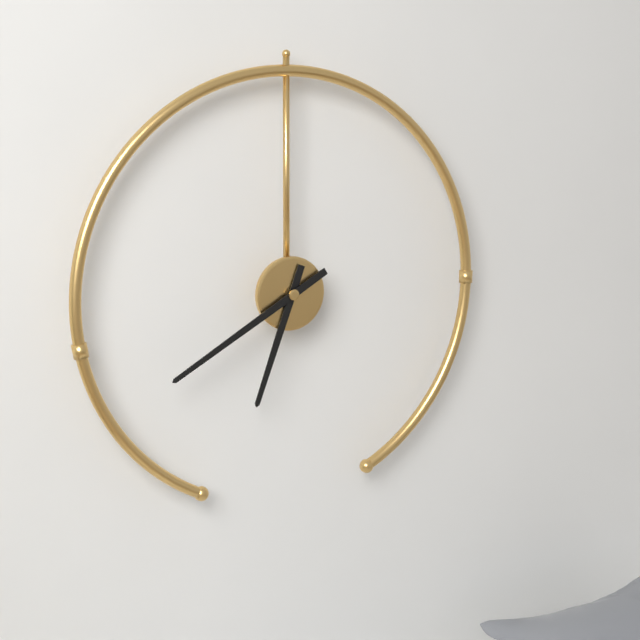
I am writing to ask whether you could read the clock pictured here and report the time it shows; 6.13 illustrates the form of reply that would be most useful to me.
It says 6.40
